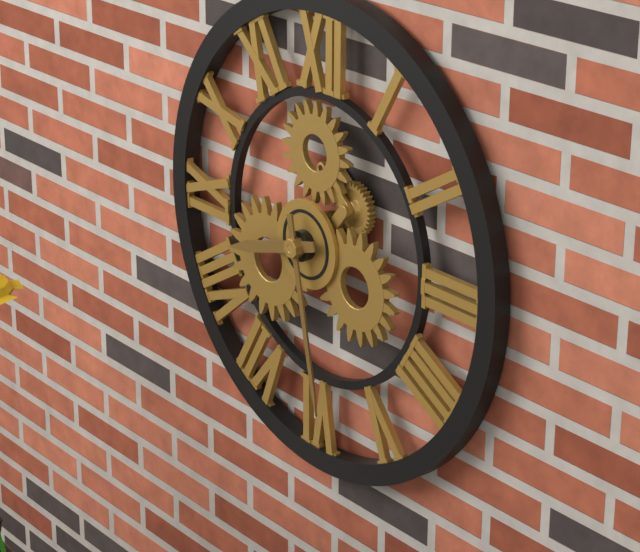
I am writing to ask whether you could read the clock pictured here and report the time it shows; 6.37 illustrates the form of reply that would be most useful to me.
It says 8.28
